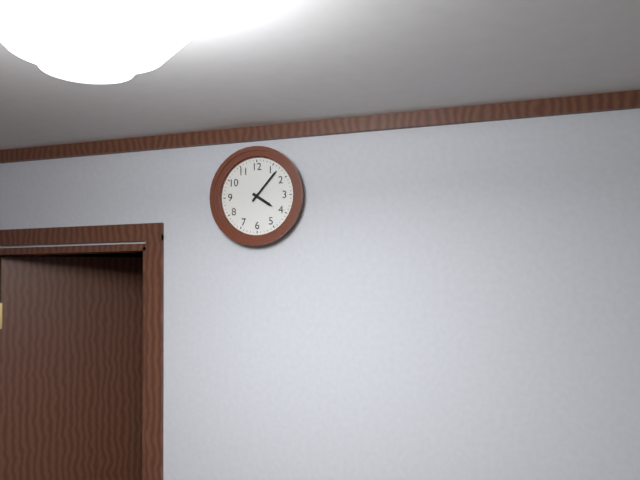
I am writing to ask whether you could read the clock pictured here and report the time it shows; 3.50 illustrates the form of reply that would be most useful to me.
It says 4.07
